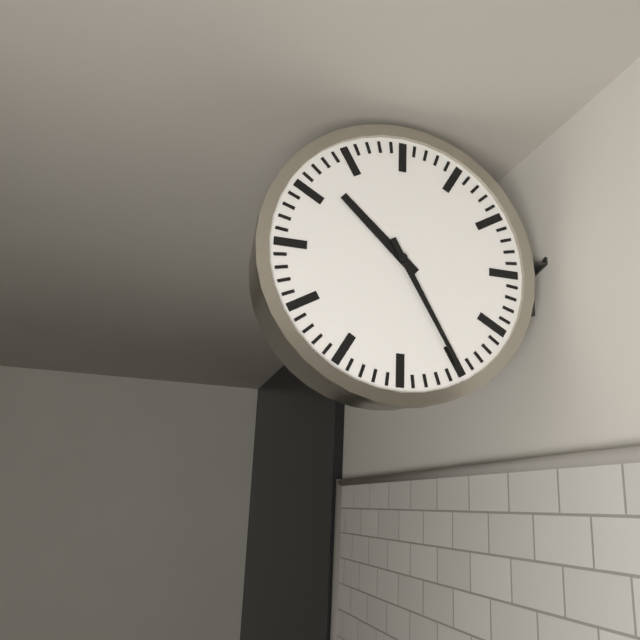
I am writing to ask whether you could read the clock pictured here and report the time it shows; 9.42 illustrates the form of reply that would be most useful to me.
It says 10.25
